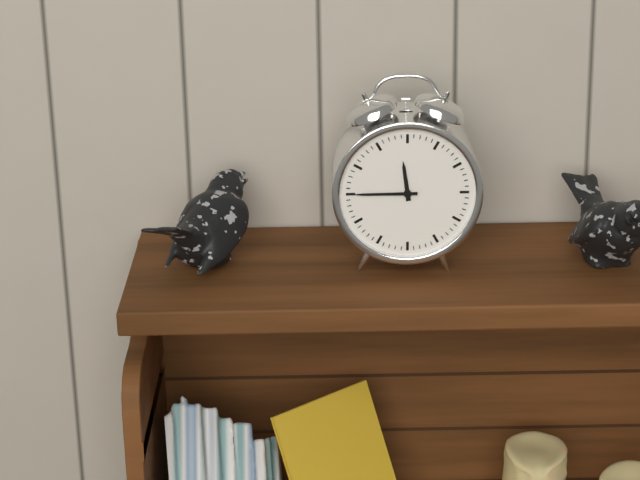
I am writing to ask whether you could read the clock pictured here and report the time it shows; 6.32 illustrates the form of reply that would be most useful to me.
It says 11.45
